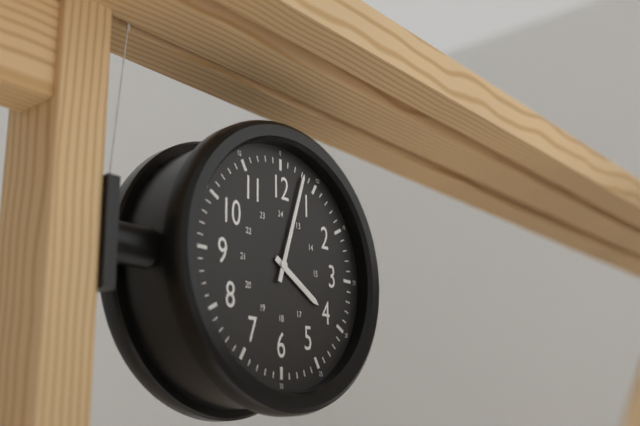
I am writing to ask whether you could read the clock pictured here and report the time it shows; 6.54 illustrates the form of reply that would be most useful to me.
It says 4.03
